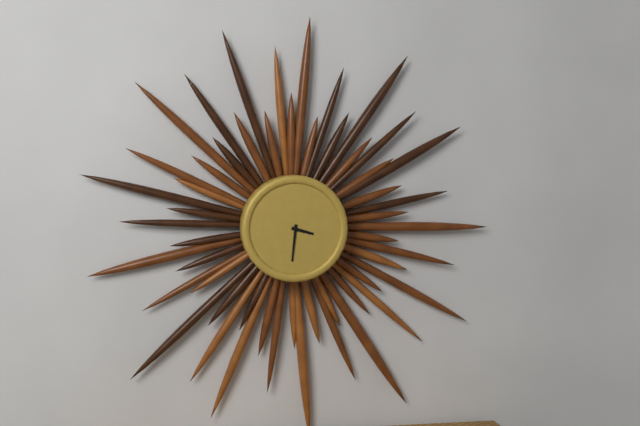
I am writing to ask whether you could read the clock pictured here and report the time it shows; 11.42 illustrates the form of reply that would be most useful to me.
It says 3.31
